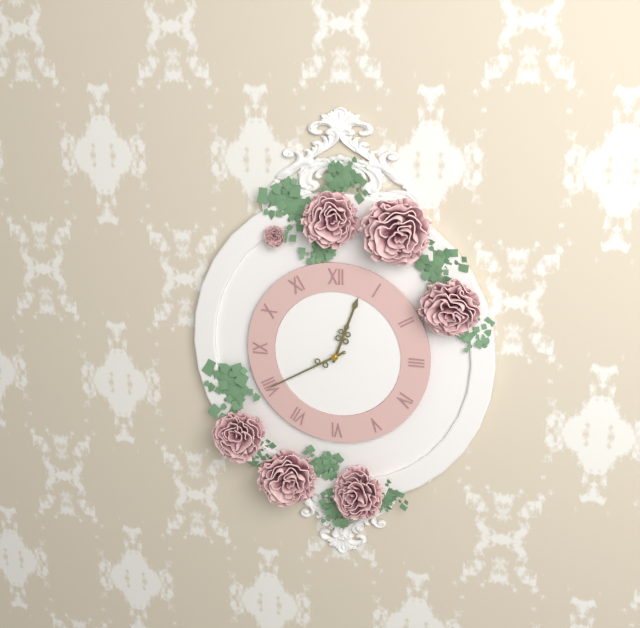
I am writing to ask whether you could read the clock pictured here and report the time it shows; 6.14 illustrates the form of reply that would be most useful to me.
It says 12.40
